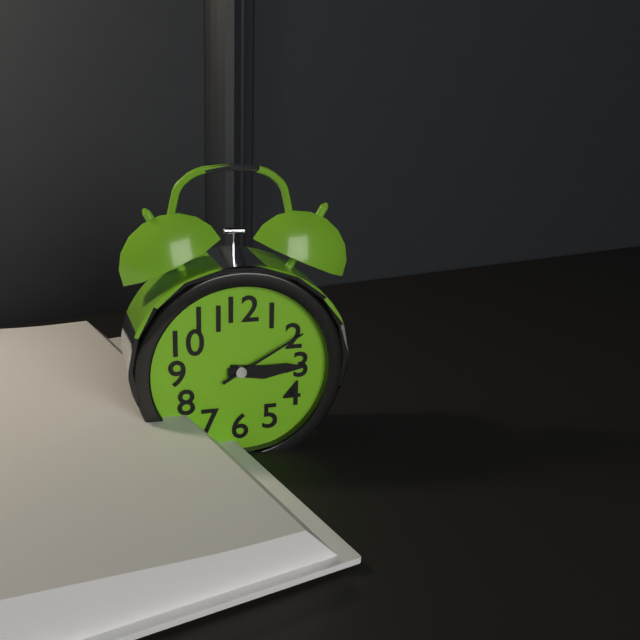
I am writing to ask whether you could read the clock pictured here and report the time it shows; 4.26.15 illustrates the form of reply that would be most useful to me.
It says 3.15.10
